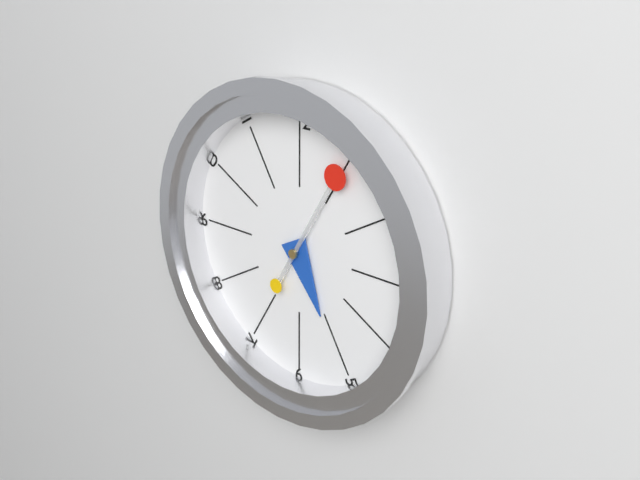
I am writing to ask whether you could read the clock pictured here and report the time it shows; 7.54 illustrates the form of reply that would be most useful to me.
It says 5.05
